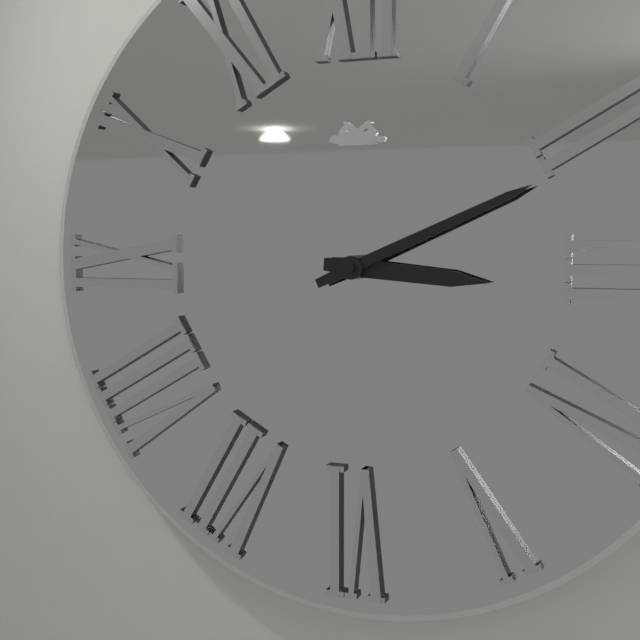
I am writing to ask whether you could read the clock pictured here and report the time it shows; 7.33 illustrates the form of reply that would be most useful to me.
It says 3.11
